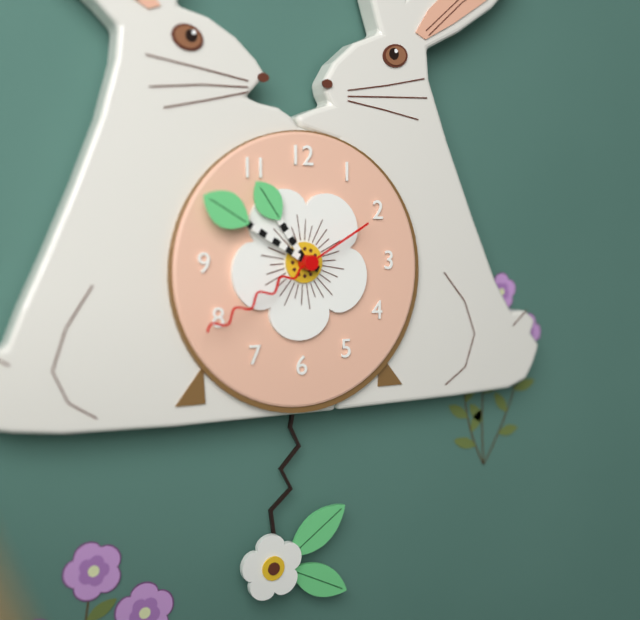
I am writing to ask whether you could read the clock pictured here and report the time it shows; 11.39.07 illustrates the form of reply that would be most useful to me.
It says 10.50.40
